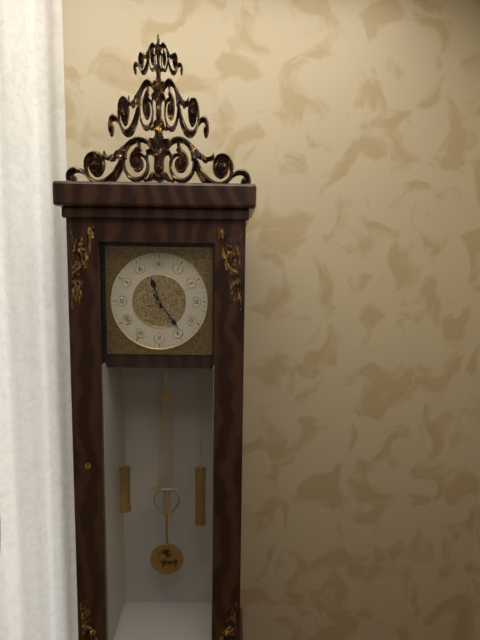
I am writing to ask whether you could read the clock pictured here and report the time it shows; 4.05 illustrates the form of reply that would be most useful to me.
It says 11.24
